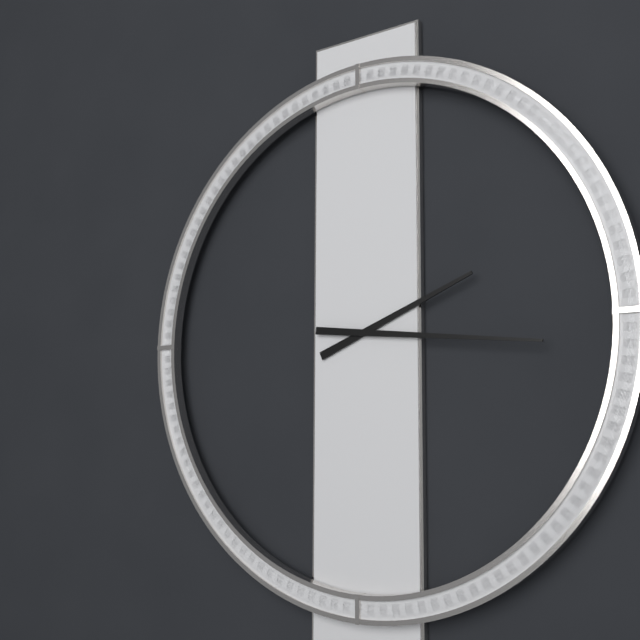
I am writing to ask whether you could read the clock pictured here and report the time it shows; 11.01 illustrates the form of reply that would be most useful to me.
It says 2.16
